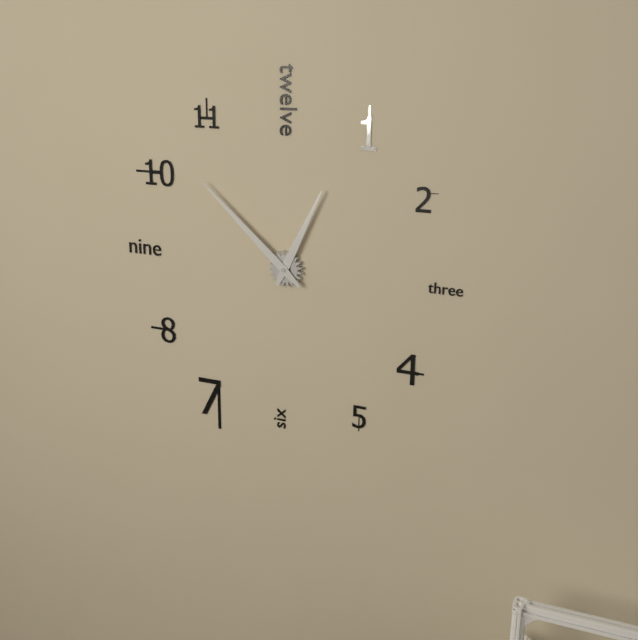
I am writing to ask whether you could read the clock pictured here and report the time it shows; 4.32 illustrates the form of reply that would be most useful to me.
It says 12.52
